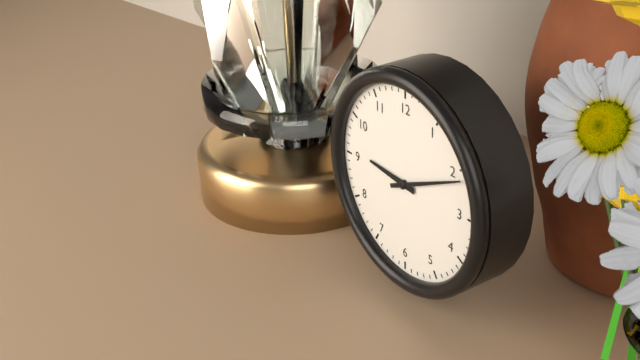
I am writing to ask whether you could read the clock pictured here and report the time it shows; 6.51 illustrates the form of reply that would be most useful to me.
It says 9.11
